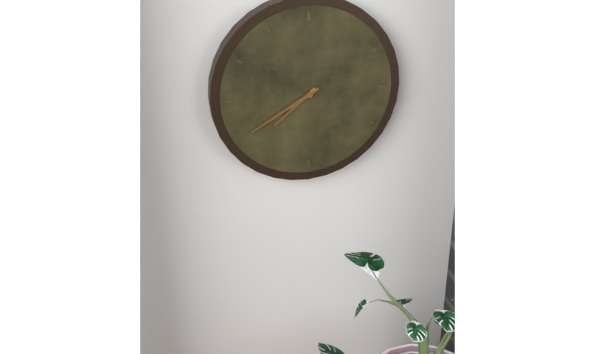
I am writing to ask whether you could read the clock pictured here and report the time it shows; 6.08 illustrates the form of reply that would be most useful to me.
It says 7.40
